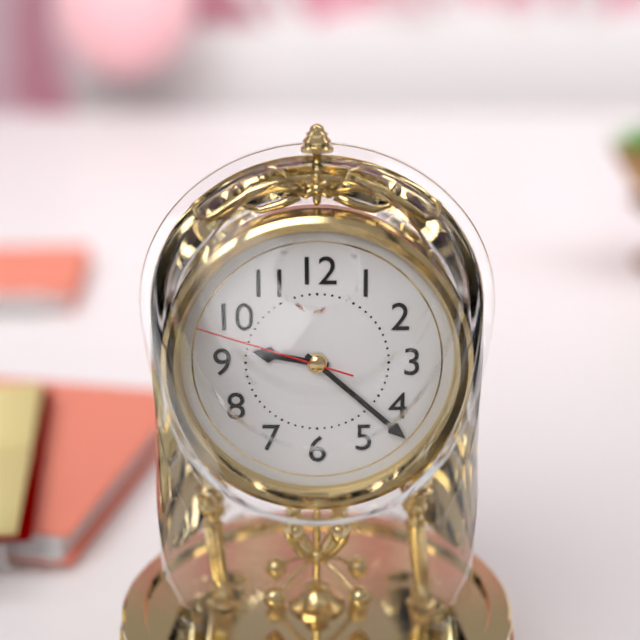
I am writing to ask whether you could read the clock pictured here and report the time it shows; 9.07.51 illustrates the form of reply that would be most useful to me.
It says 9.22.48
